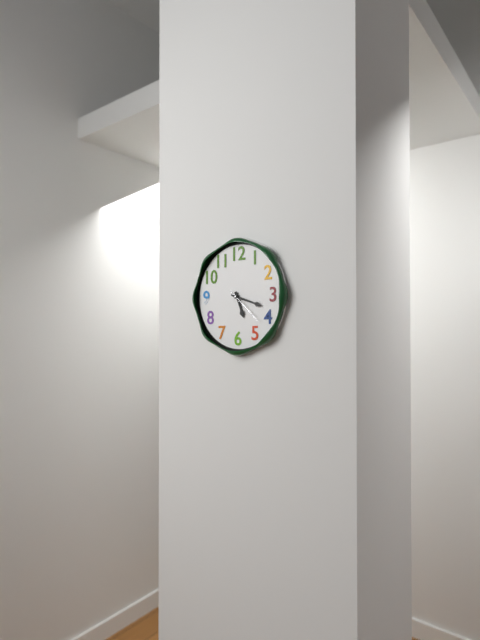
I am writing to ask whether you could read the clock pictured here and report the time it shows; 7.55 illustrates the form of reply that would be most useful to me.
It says 5.18
